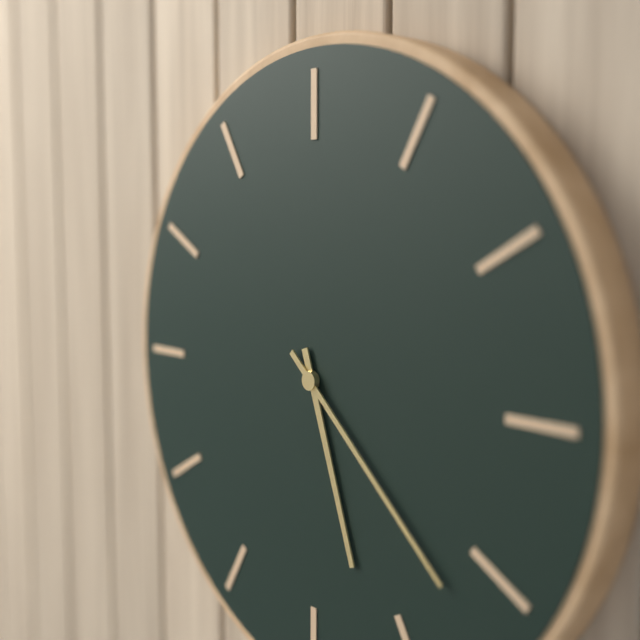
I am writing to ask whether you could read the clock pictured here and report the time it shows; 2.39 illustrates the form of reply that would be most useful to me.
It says 5.22
